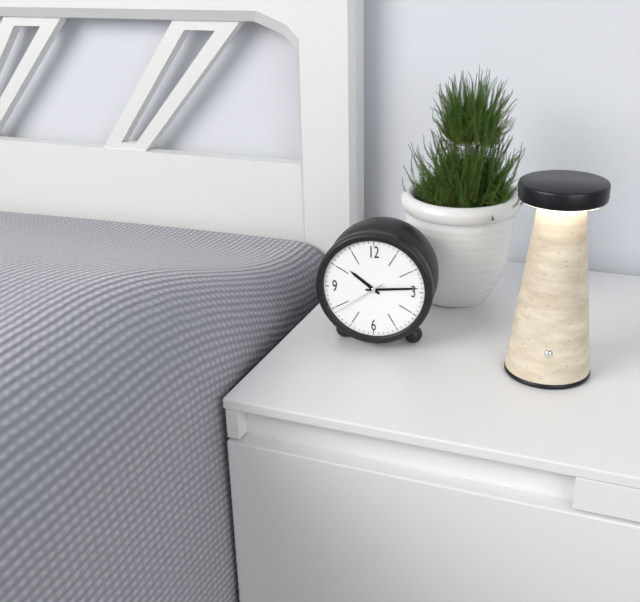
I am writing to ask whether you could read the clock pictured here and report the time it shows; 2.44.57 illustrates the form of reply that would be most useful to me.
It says 10.14.39
